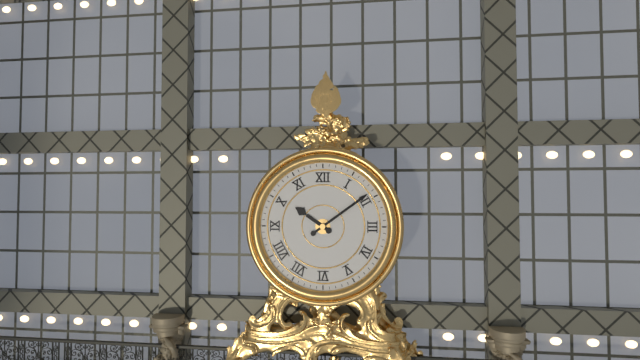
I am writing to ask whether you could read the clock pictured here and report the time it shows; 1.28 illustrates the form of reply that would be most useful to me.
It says 10.09
